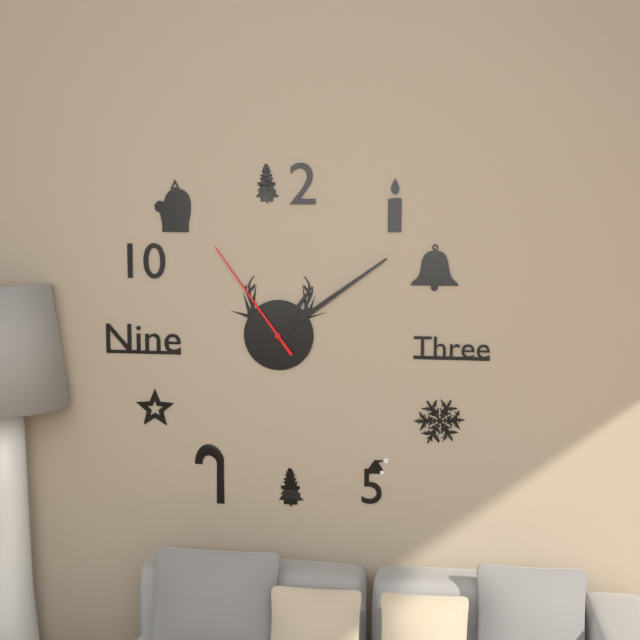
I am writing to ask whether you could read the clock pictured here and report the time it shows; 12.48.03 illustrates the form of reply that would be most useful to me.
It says 1.09.54
